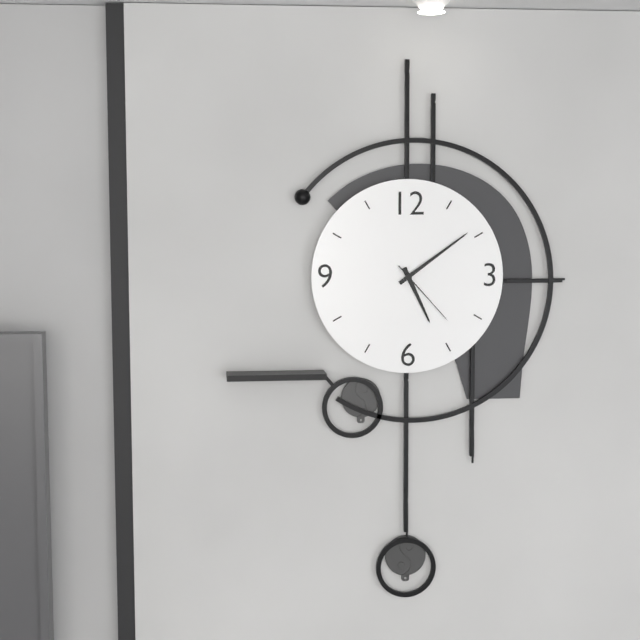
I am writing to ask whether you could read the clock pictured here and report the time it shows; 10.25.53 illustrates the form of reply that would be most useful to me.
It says 5.09.23
